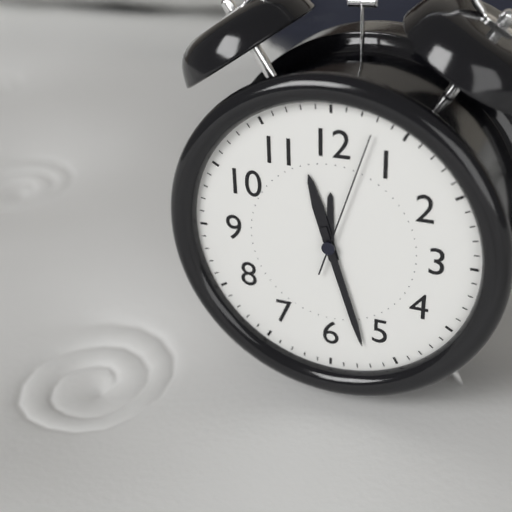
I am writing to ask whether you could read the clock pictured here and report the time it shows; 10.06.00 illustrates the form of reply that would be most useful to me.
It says 11.27.03
